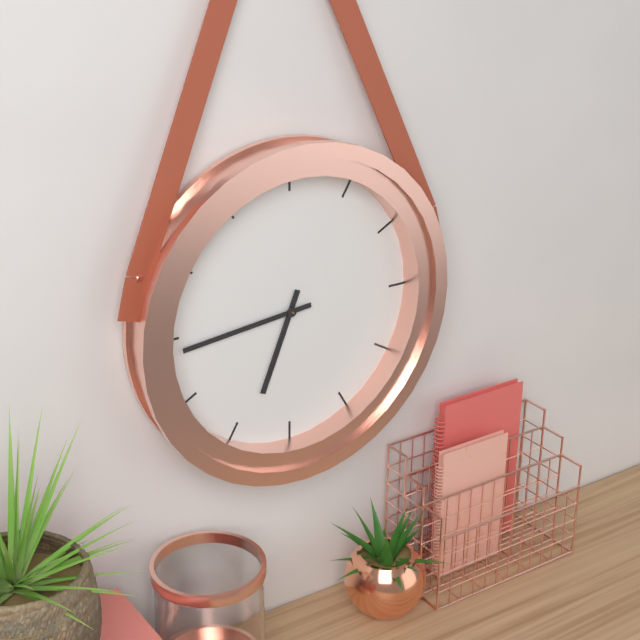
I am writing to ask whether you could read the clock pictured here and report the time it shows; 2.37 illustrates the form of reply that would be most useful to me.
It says 6.44
